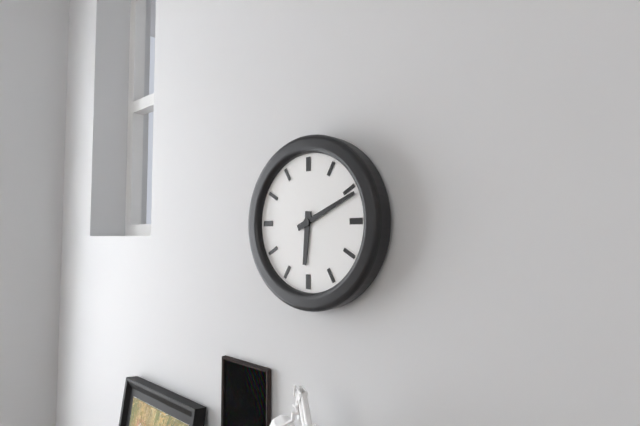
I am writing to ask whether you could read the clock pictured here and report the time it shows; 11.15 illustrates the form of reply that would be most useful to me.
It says 6.11
